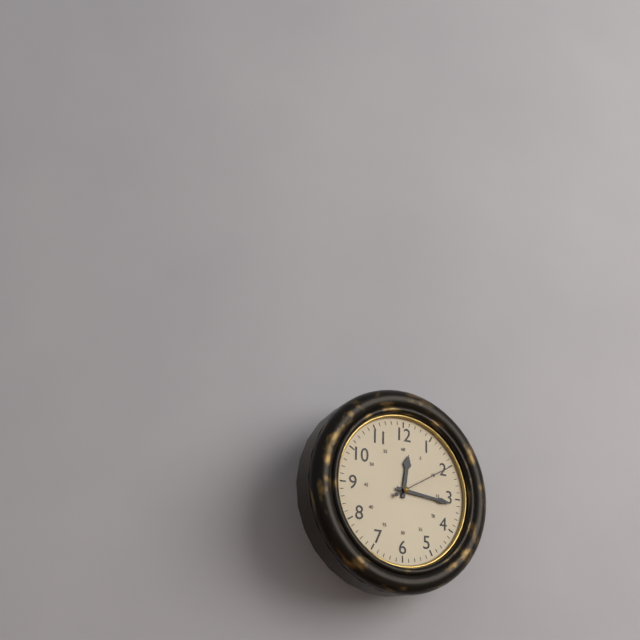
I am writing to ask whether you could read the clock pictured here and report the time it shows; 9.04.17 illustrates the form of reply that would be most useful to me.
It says 12.16.10
